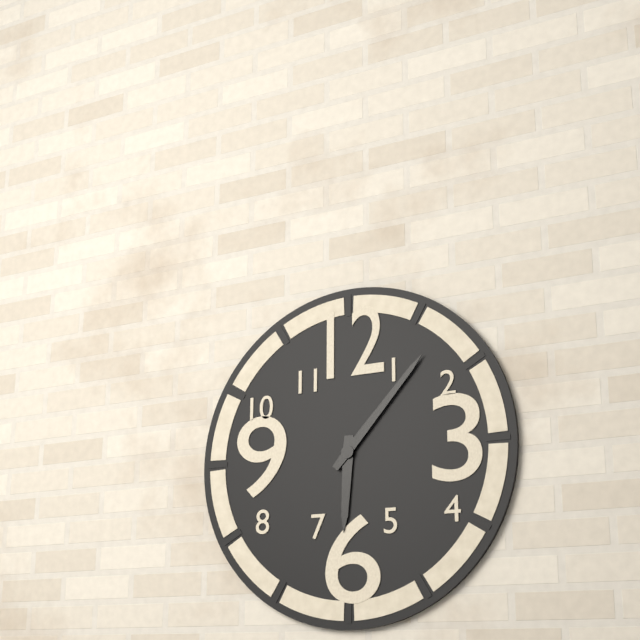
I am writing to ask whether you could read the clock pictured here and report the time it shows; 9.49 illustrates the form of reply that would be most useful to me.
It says 6.07
